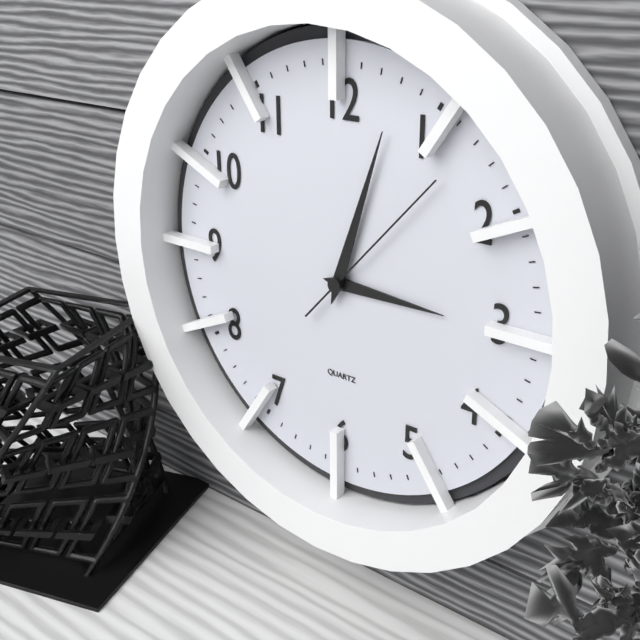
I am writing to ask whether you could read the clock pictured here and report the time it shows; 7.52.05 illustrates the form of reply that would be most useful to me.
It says 3.03.07
